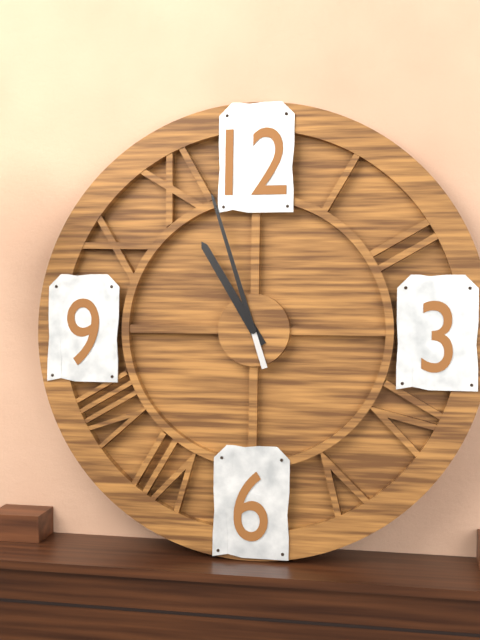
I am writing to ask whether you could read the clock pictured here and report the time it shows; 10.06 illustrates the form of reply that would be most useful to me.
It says 10.57
